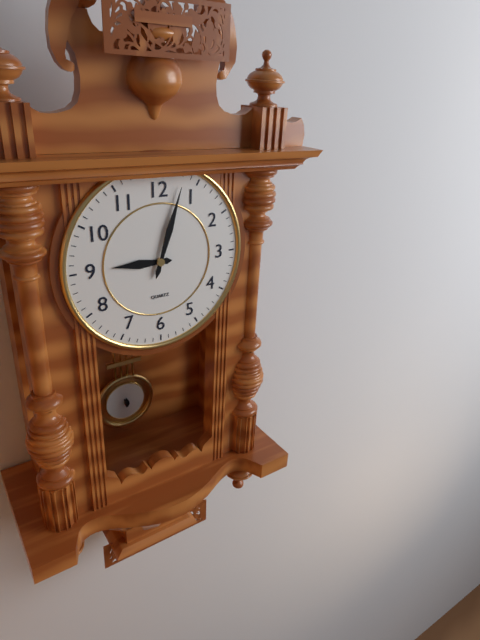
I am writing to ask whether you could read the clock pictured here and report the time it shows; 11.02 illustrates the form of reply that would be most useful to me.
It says 9.03
